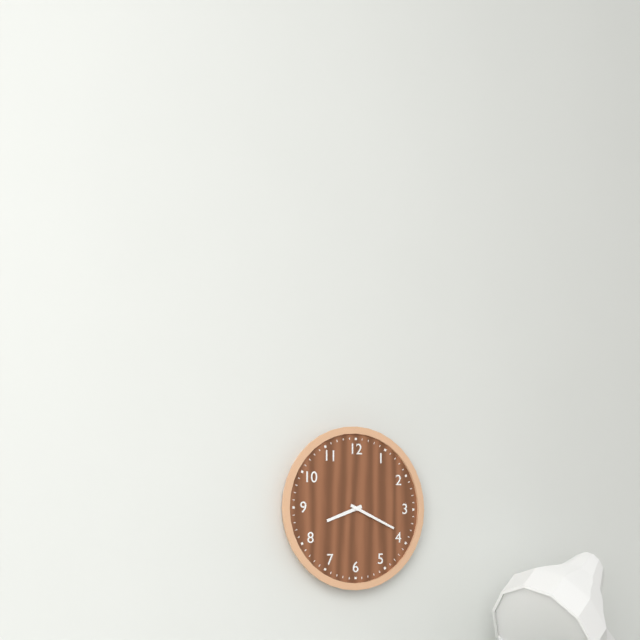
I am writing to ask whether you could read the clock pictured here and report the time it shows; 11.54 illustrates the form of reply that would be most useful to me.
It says 8.19
